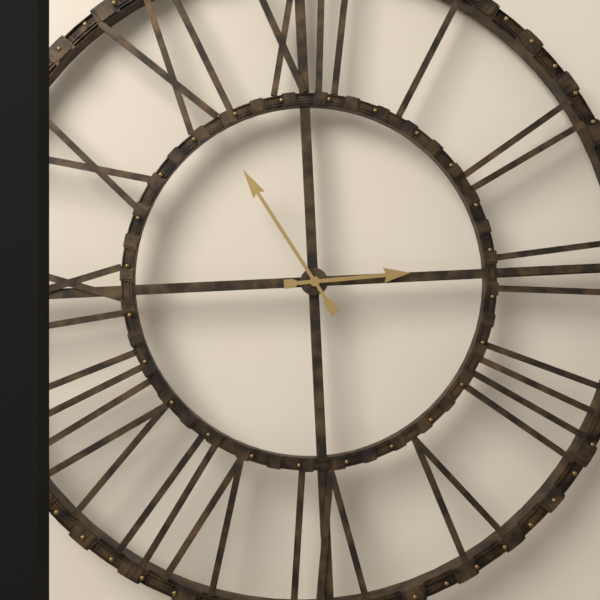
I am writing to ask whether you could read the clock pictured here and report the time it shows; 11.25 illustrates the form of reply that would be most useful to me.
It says 2.55
